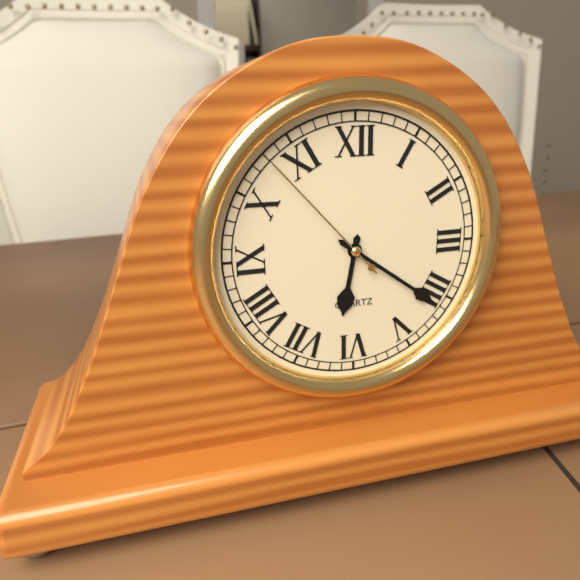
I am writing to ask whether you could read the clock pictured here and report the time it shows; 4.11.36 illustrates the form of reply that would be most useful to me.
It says 6.21.53
